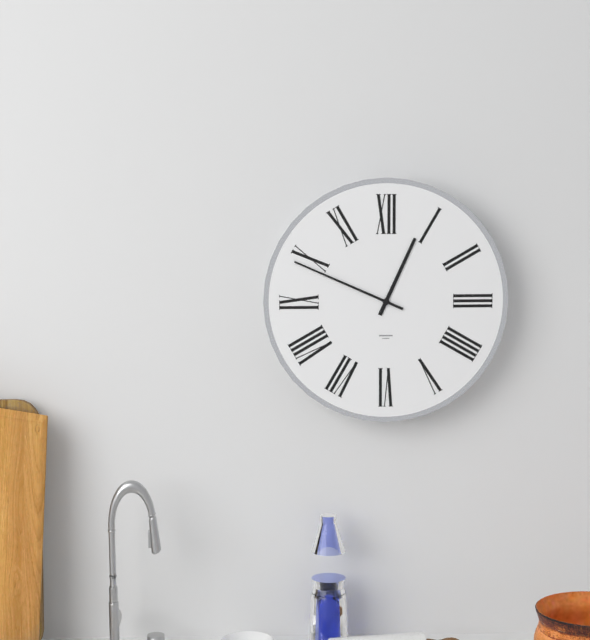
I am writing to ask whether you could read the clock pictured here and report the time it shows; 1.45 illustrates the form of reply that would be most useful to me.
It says 12.49
